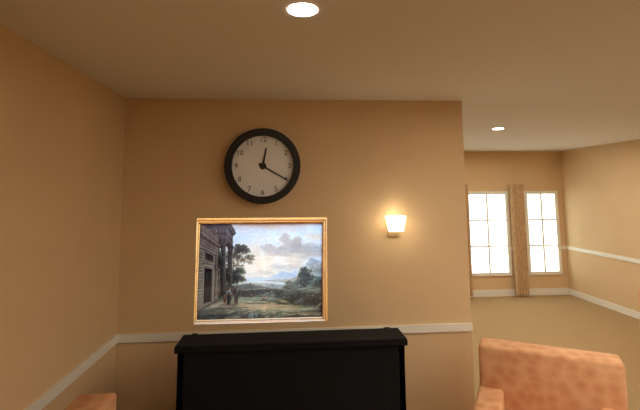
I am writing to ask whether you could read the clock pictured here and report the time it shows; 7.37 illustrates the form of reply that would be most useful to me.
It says 12.20
